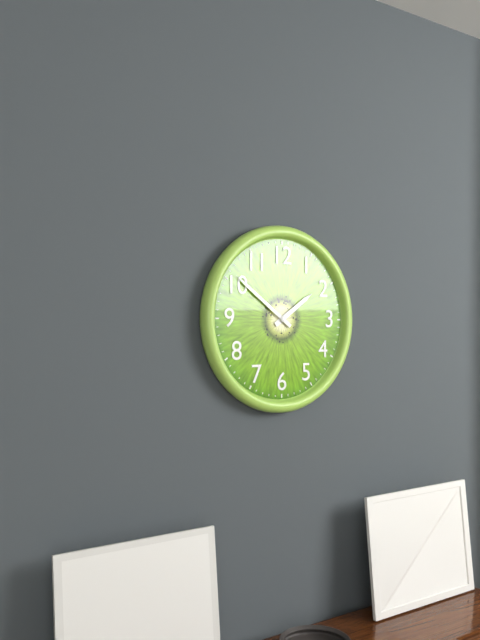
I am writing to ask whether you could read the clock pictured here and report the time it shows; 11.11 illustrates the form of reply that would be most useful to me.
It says 1.51
